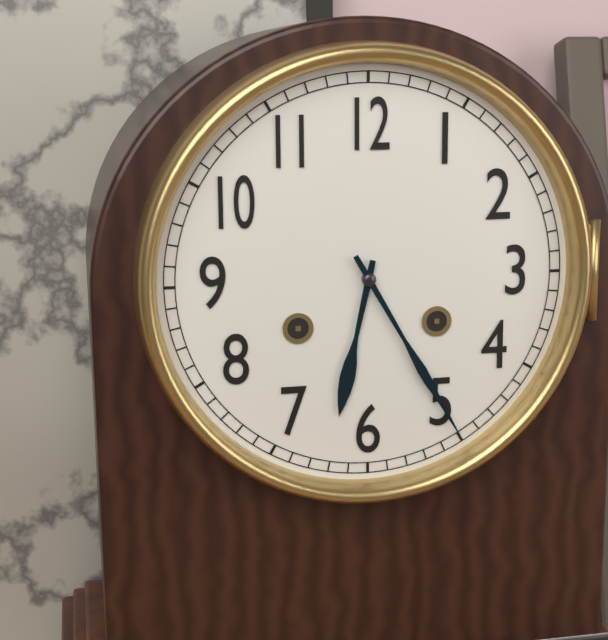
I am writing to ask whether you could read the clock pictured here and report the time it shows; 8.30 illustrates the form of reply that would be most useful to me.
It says 6.25
